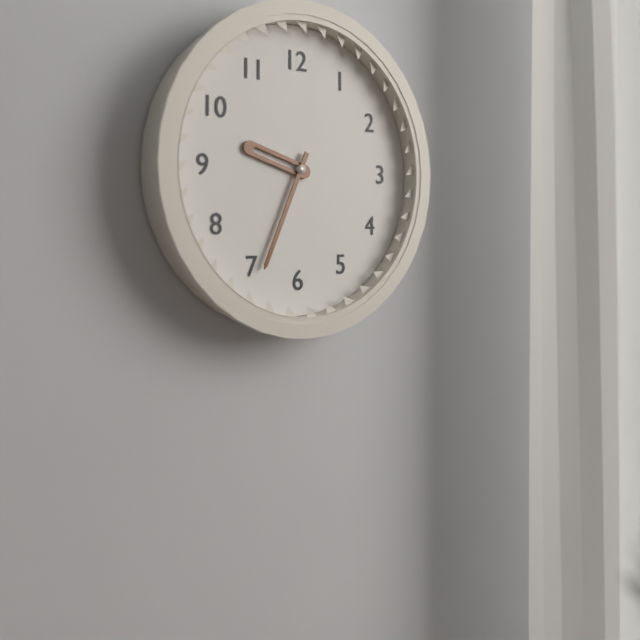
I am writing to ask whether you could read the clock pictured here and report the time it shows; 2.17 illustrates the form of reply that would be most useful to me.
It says 9.34
